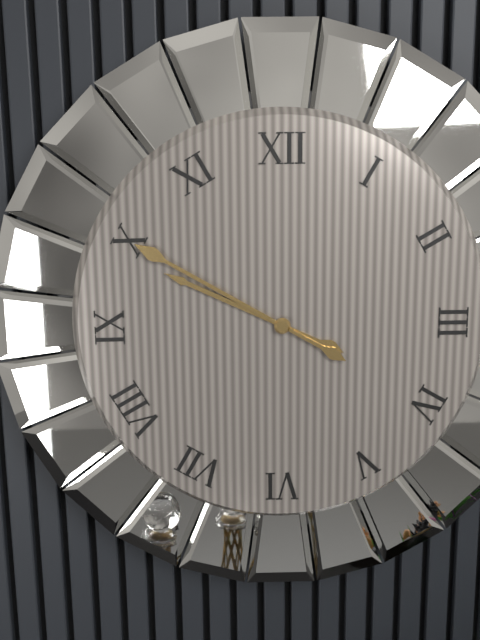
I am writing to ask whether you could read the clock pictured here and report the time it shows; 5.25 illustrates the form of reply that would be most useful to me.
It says 9.50
